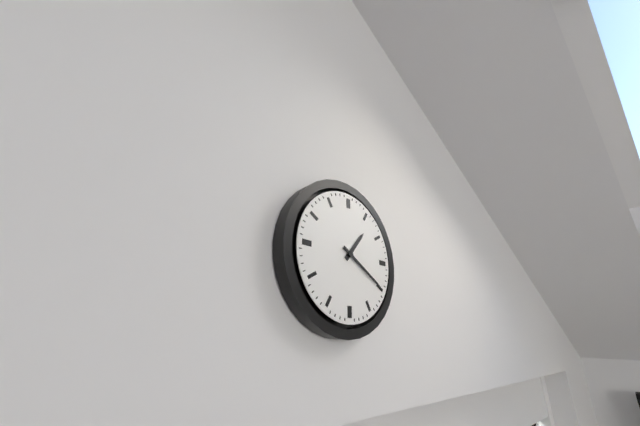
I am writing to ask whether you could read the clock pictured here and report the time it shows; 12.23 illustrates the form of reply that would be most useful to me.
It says 1.20
